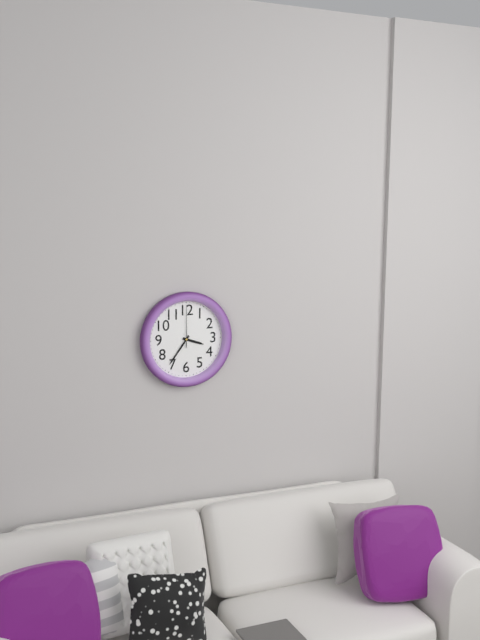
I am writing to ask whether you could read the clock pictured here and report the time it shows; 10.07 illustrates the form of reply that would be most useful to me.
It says 3.36
